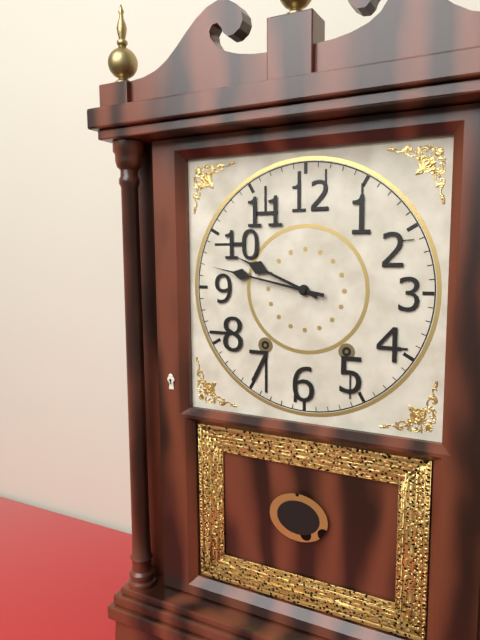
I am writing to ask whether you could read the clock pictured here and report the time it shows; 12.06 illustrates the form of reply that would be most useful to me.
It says 9.47
